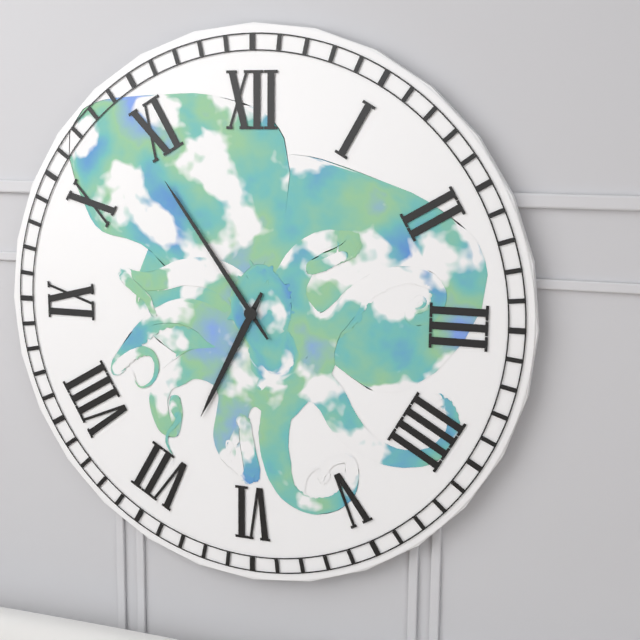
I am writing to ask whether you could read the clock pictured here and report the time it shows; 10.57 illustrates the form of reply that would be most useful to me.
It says 6.54
